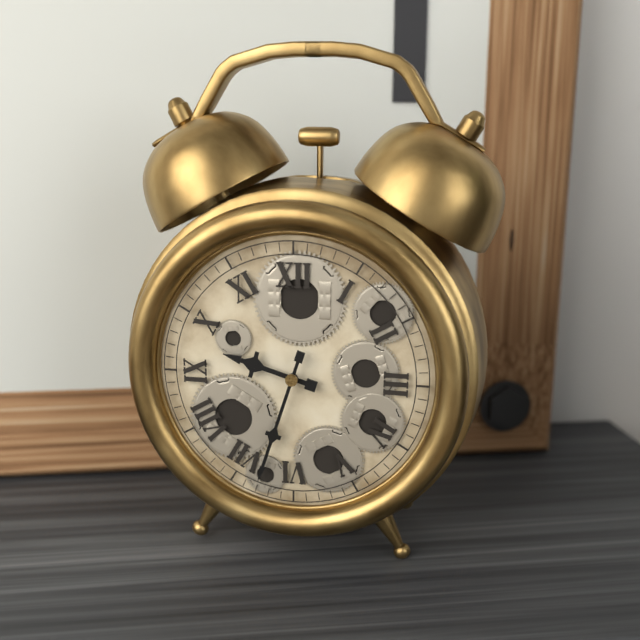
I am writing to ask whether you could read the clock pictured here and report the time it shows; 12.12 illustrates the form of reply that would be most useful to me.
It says 9.33
